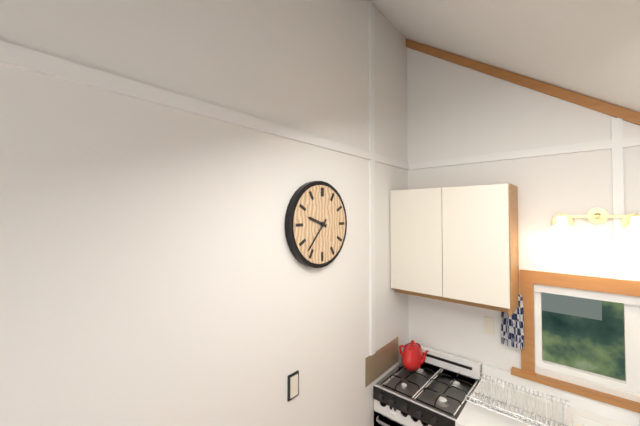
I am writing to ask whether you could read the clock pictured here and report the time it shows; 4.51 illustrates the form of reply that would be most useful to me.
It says 9.37
